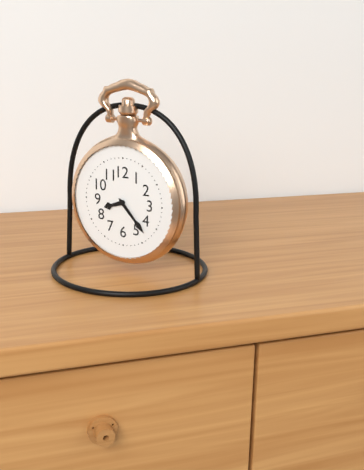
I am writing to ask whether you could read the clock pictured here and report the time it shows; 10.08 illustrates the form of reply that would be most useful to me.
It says 8.23
